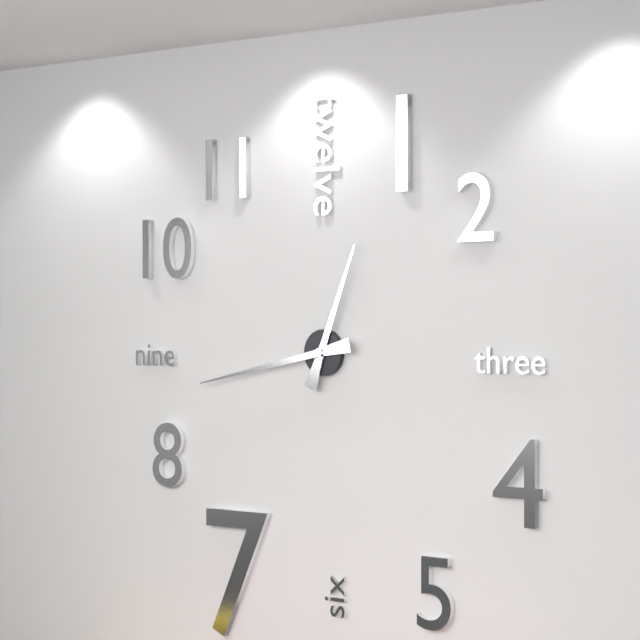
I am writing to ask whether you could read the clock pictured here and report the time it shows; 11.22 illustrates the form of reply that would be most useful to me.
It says 12.43
